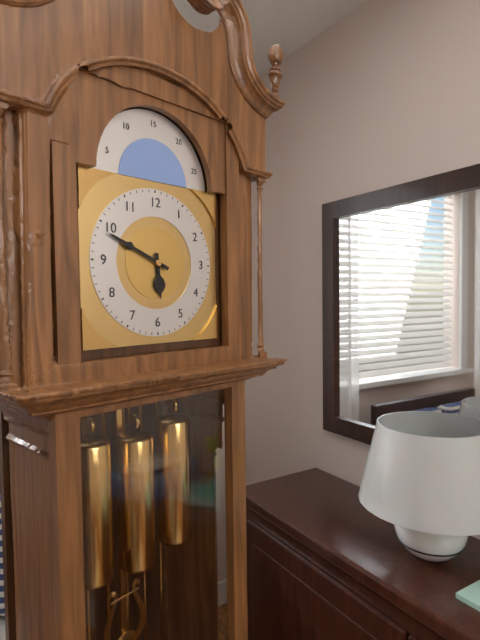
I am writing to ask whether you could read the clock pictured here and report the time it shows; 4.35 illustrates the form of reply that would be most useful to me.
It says 5.49
